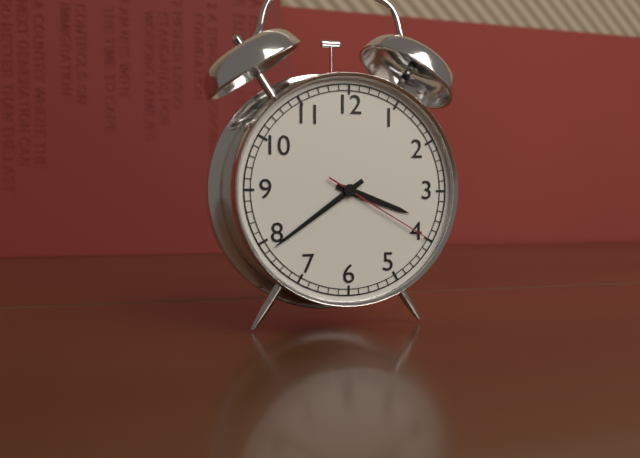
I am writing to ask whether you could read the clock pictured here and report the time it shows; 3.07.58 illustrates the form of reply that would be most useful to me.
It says 3.39.20
